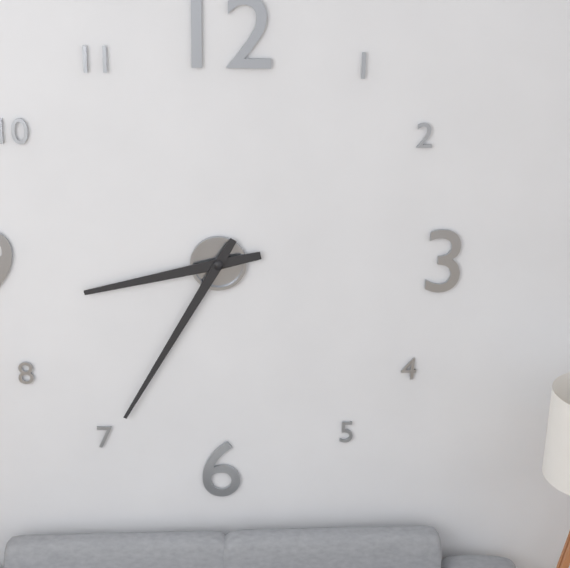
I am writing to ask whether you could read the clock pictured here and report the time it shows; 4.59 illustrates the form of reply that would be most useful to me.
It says 8.35
